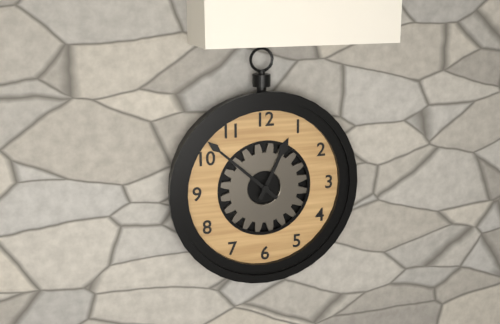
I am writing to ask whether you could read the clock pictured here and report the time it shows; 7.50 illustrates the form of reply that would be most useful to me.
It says 12.52
